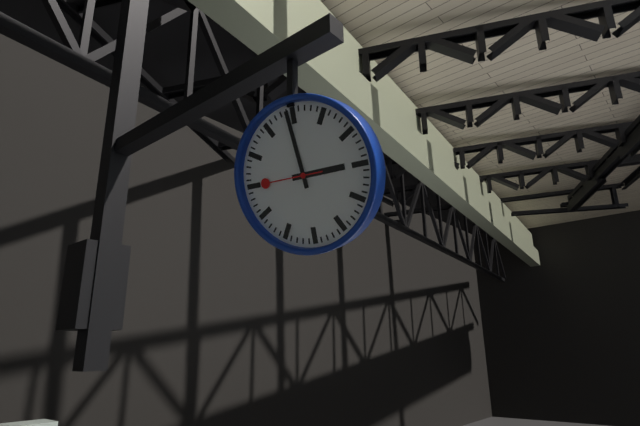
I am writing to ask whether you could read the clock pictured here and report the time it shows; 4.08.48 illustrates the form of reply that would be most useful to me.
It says 2.59.45
